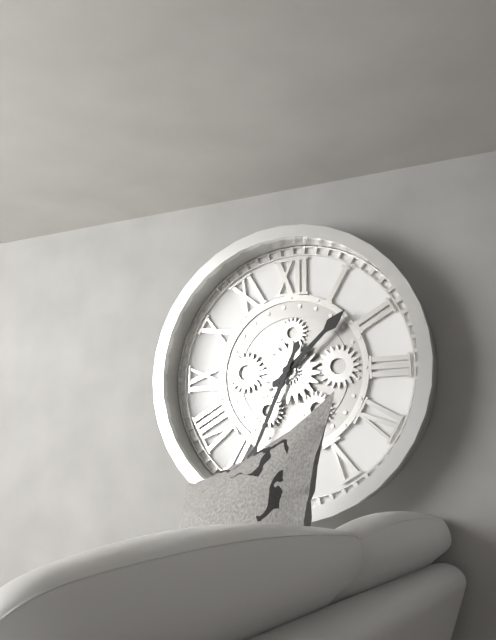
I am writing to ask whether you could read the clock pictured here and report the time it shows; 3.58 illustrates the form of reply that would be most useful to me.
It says 1.34
